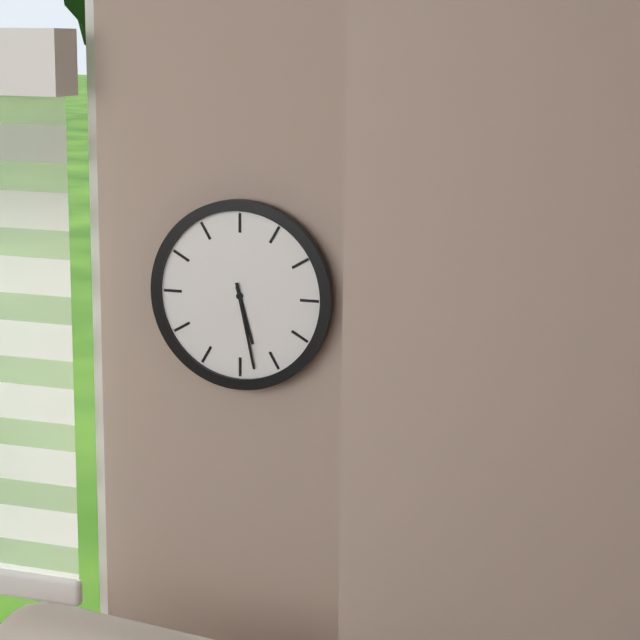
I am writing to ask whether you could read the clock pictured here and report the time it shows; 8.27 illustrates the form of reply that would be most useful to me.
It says 5.28
